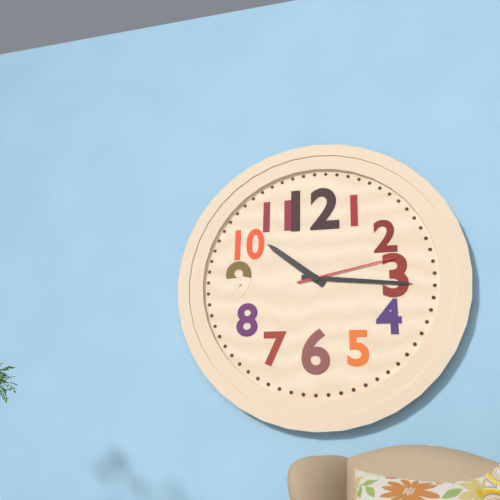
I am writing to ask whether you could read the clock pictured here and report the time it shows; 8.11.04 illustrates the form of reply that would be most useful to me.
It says 10.16.13
